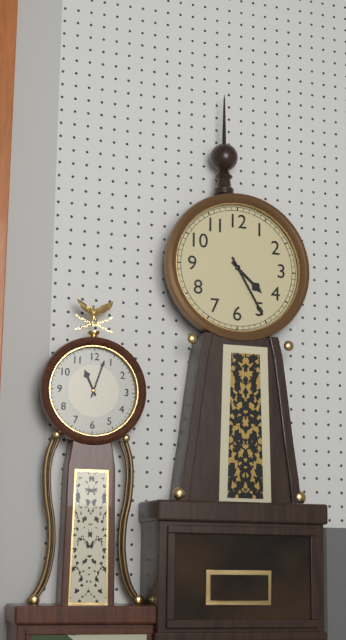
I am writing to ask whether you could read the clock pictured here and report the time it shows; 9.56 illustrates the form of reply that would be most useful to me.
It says 4.25
